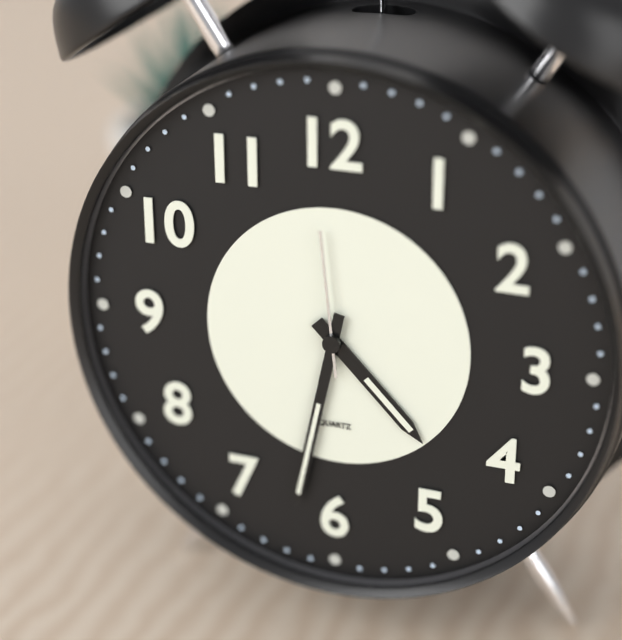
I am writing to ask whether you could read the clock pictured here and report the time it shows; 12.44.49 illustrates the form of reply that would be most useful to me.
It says 4.32.59
